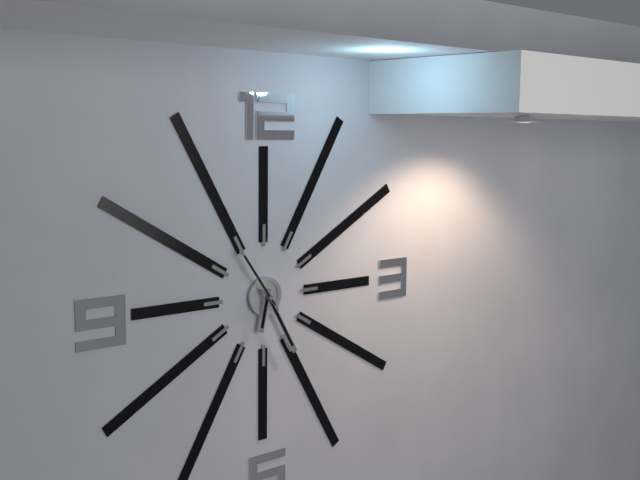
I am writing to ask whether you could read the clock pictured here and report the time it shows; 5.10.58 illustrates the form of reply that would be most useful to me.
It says 6.25.54
